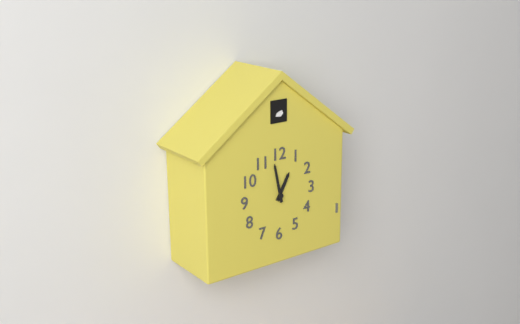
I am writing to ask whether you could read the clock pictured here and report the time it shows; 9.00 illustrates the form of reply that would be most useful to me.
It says 12.58
